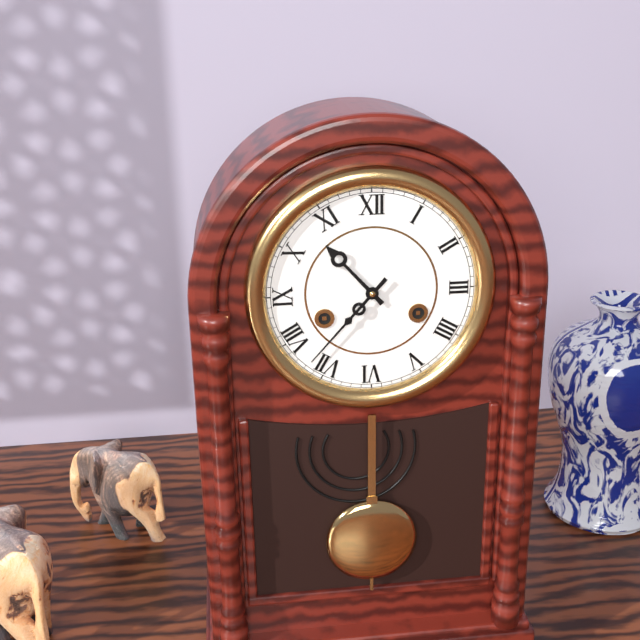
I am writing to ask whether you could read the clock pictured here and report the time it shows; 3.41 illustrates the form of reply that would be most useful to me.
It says 10.37
